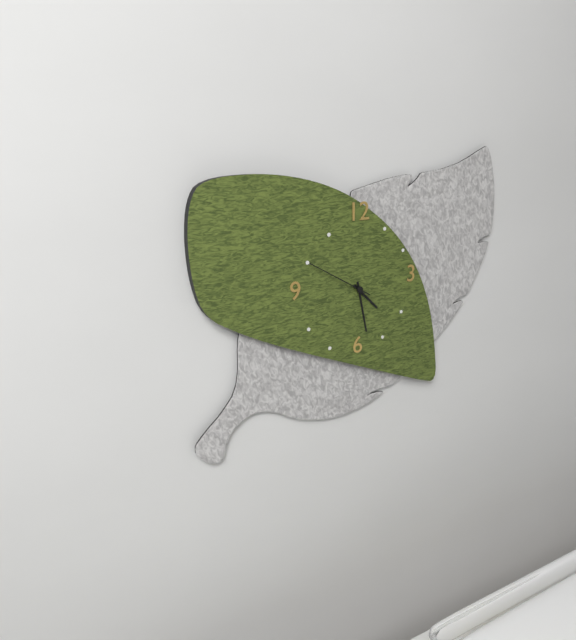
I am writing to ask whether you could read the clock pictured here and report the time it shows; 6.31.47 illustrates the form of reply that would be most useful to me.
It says 4.28.50
